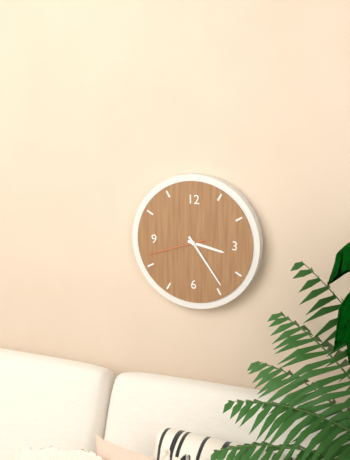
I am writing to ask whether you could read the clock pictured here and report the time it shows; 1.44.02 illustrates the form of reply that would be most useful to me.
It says 3.24.42
